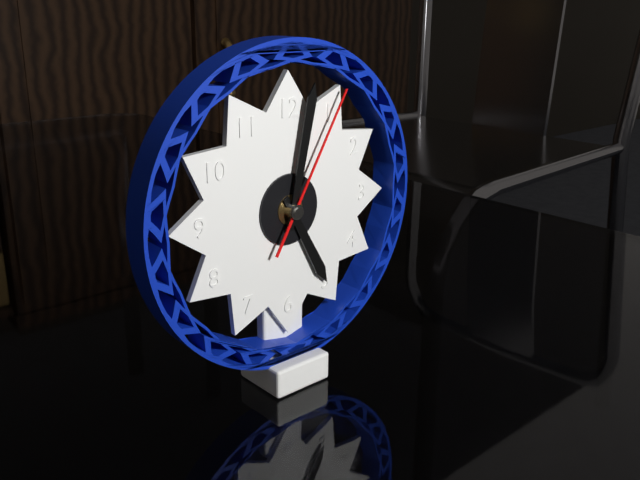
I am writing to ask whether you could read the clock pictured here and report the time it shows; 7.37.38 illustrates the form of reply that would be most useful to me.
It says 5.02.05
